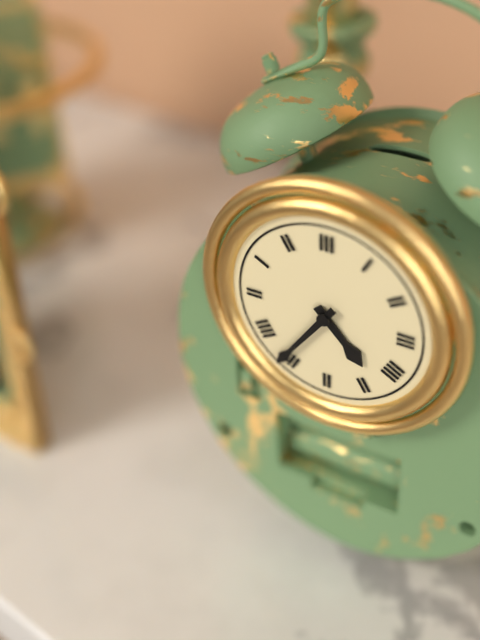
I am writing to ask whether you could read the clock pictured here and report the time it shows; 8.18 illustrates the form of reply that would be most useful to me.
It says 4.36
